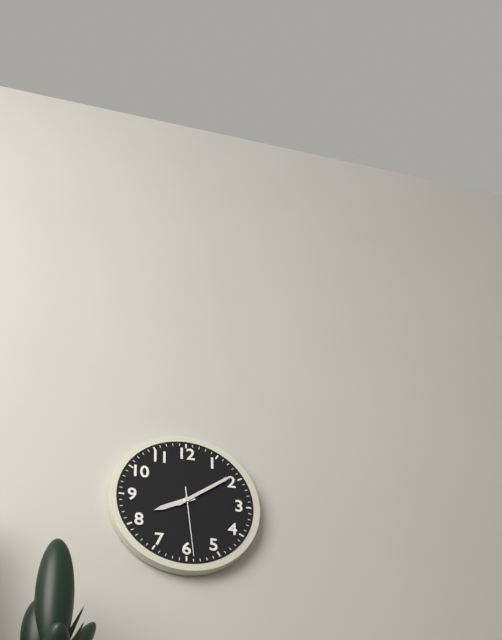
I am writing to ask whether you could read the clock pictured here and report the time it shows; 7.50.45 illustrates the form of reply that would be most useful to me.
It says 8.09.29
